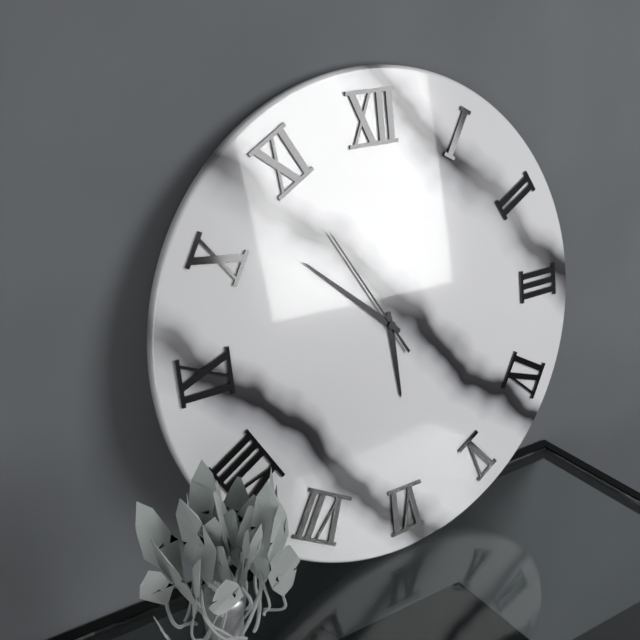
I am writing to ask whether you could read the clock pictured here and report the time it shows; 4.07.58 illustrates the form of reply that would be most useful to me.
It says 5.52.55
